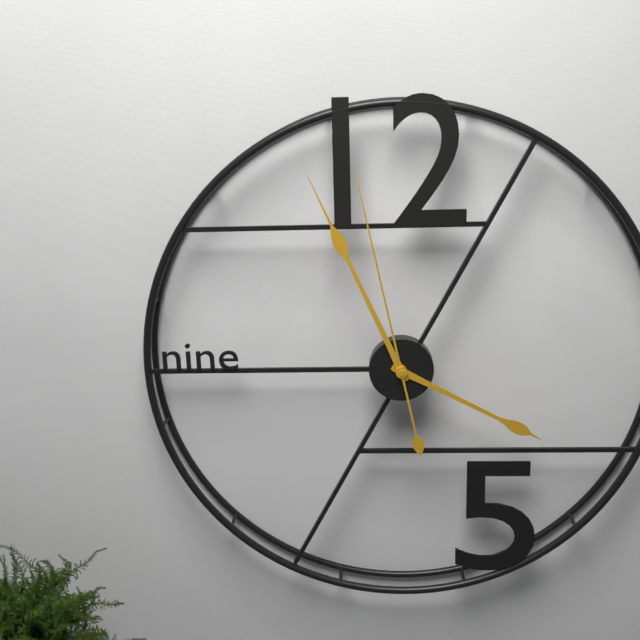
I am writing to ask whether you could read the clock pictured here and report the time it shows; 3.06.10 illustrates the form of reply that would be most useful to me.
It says 3.56.58
